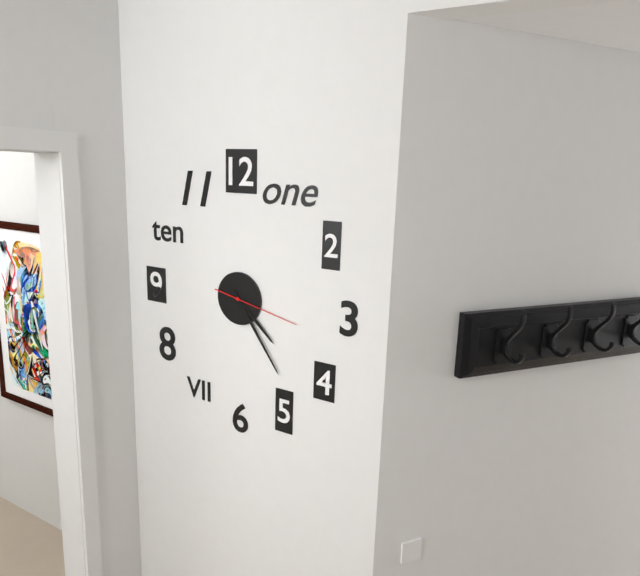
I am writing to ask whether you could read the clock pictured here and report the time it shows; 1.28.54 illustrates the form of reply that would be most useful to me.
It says 4.24.17
